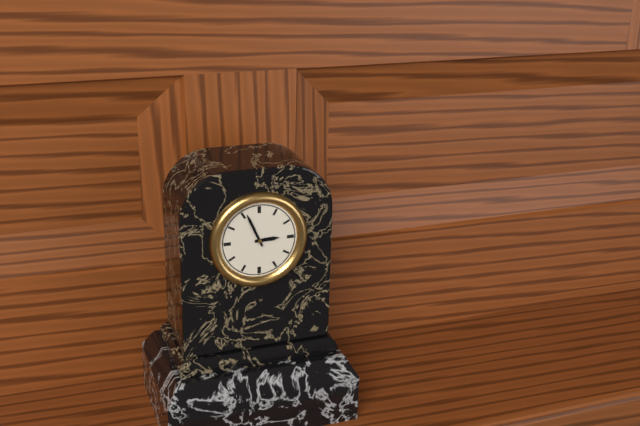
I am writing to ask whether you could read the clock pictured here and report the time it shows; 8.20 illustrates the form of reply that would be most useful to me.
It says 2.56
